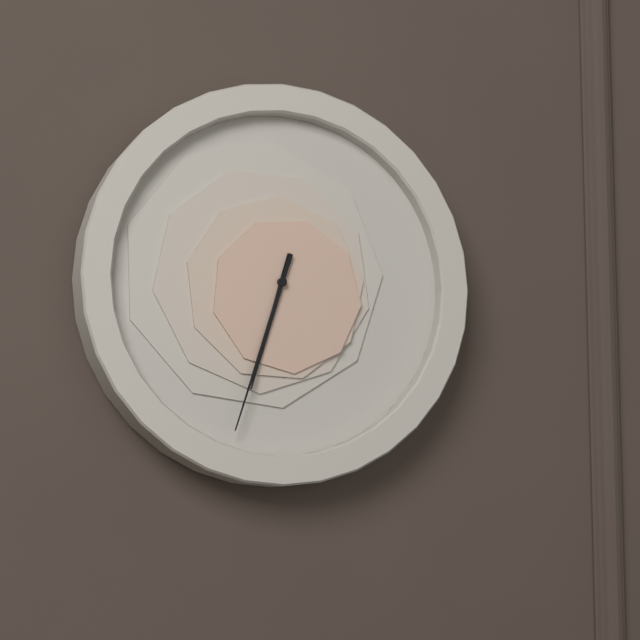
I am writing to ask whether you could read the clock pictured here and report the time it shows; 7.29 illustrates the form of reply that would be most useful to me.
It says 6.33
